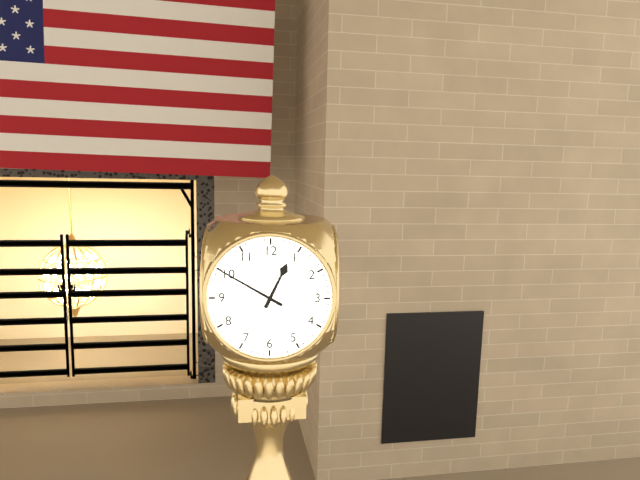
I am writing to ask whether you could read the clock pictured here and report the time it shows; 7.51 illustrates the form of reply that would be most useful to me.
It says 12.50
